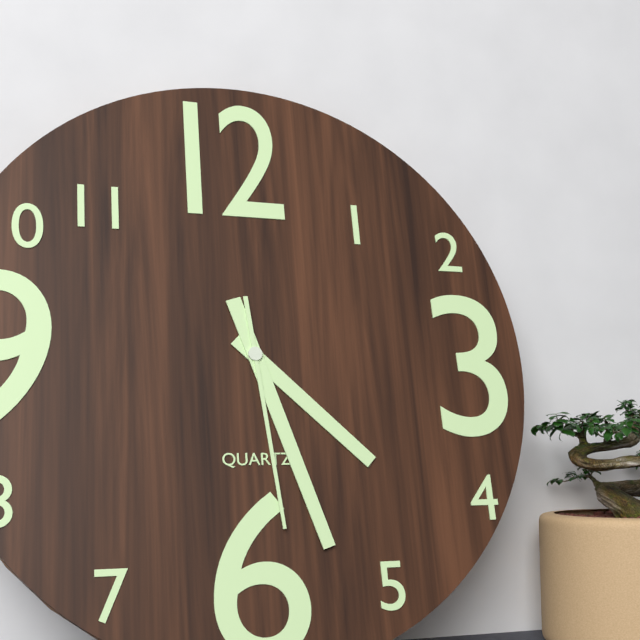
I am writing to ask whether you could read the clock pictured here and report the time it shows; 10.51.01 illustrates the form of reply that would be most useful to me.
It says 4.27.29
